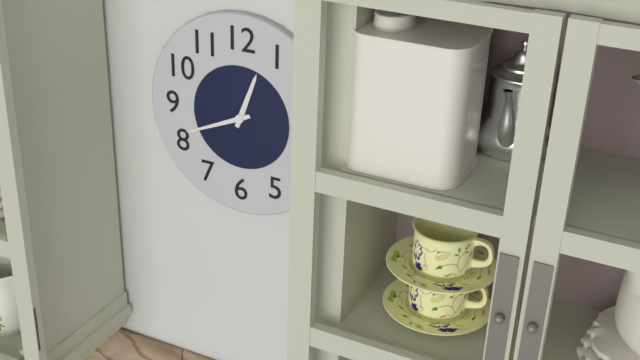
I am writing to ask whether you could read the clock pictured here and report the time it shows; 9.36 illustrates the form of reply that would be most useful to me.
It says 12.41
